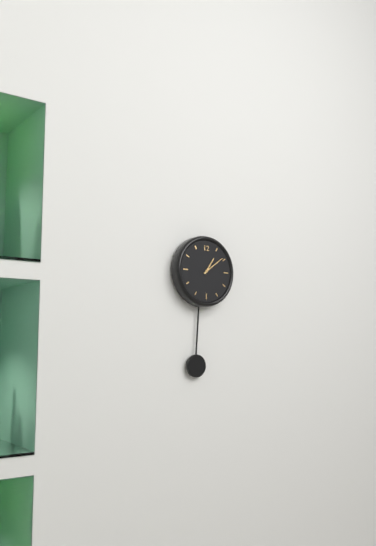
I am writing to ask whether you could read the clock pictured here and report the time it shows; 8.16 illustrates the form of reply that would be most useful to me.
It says 1.09
